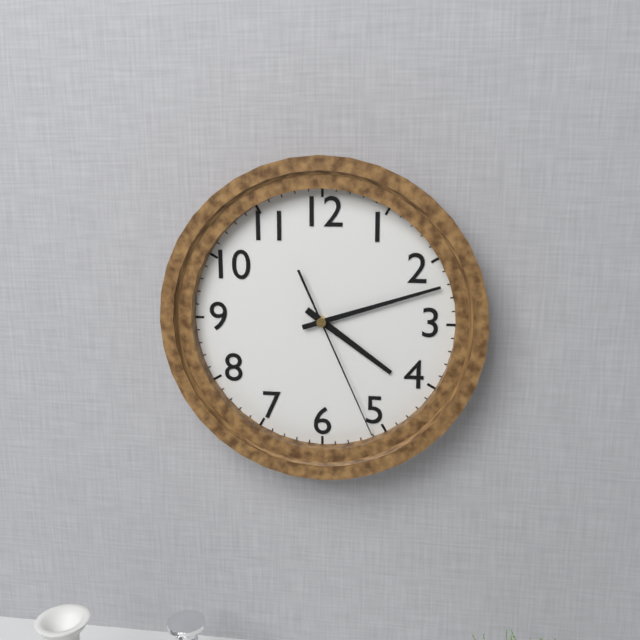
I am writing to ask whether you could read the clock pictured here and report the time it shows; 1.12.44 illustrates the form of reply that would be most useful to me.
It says 4.12.26
